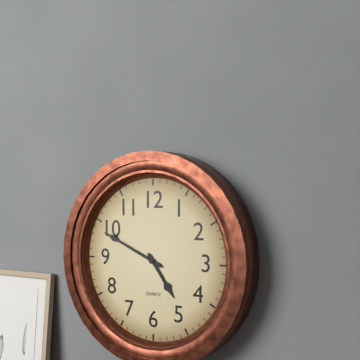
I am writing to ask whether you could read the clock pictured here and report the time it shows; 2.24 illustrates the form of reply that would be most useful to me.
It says 4.49
